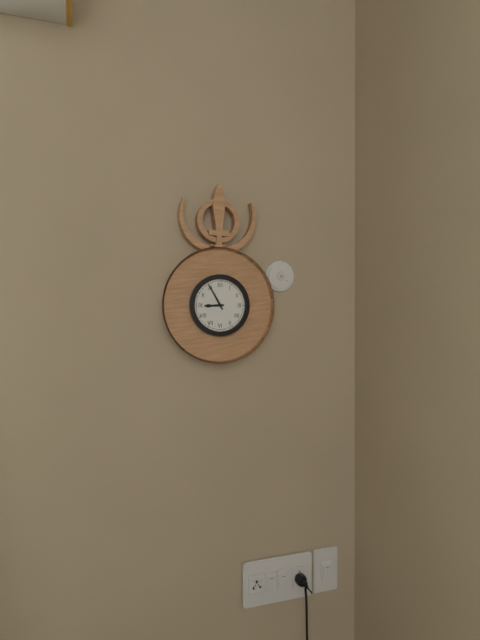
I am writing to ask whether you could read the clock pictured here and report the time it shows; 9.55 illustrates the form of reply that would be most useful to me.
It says 8.55
